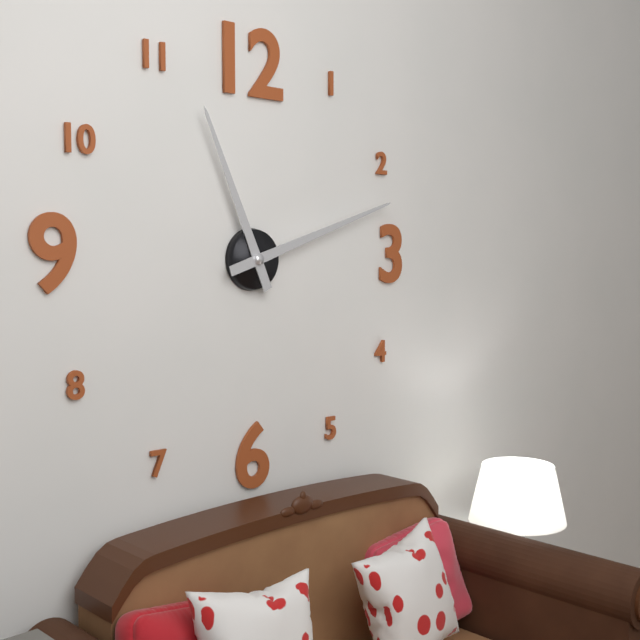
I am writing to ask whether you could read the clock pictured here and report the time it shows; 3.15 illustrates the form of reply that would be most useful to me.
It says 11.12
